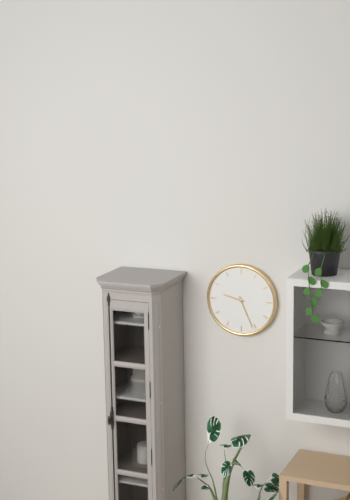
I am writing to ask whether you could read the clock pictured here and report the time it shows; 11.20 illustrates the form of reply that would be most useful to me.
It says 9.26
